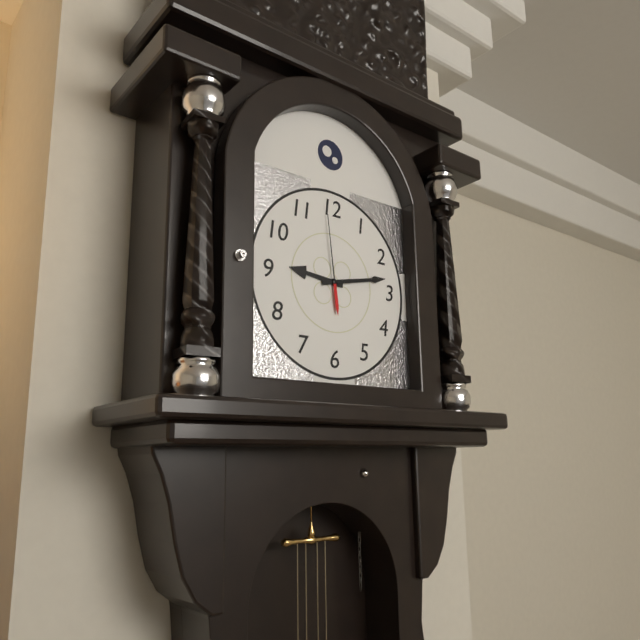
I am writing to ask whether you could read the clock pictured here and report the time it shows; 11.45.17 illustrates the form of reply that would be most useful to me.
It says 9.13.59
